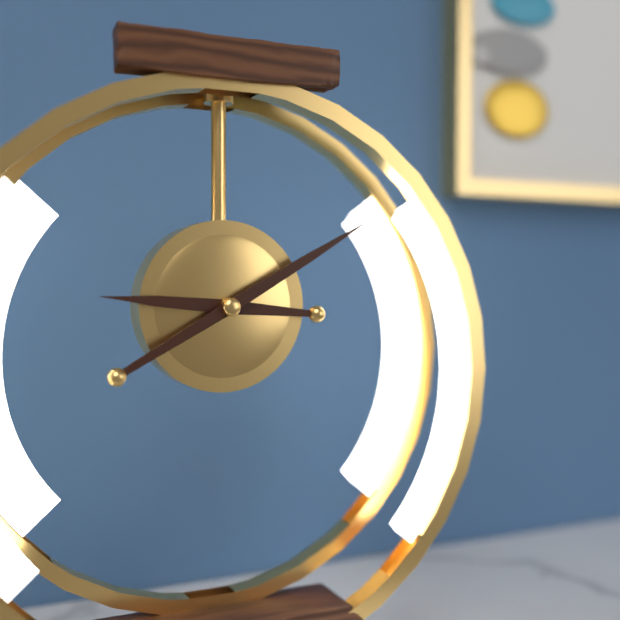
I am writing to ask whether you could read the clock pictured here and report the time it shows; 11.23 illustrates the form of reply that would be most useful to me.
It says 9.10
